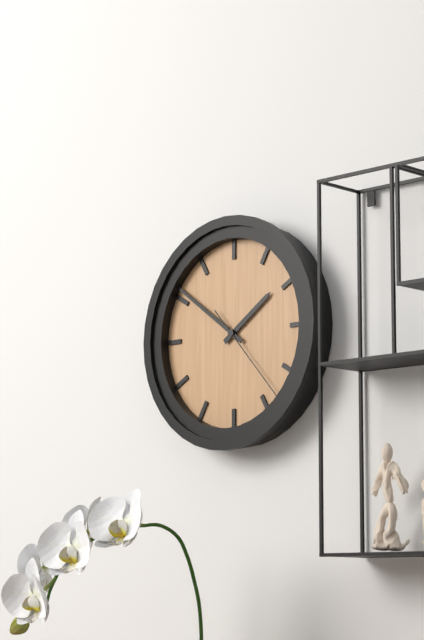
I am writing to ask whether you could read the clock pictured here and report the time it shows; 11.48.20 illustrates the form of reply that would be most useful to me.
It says 1.51.23
